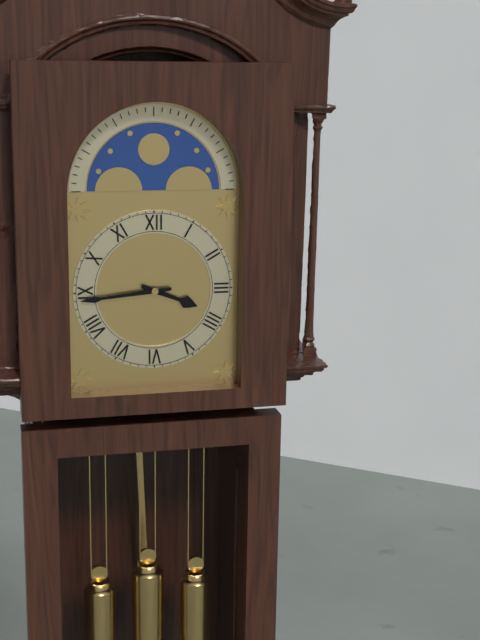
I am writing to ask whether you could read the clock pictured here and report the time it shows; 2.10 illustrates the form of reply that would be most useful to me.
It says 3.44
